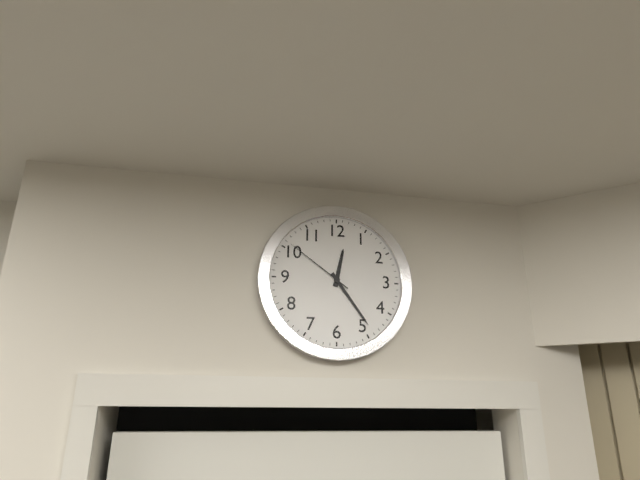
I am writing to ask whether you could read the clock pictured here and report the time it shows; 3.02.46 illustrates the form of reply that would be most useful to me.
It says 12.24.51
